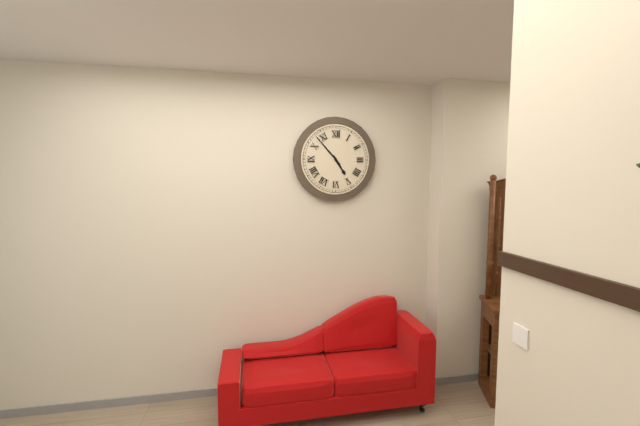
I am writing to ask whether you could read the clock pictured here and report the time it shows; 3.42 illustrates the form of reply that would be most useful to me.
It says 4.53
